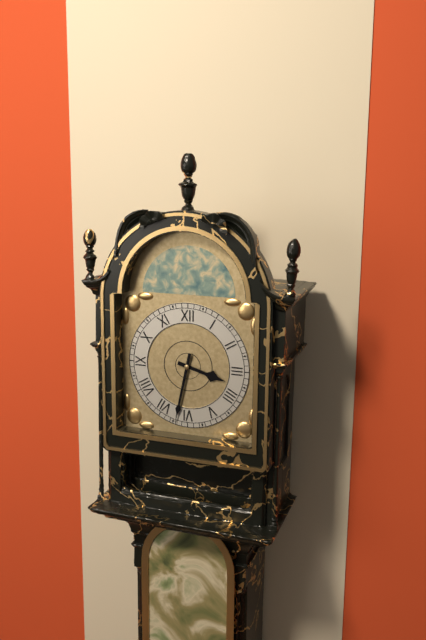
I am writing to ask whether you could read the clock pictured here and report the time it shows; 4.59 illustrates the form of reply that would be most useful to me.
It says 3.32
